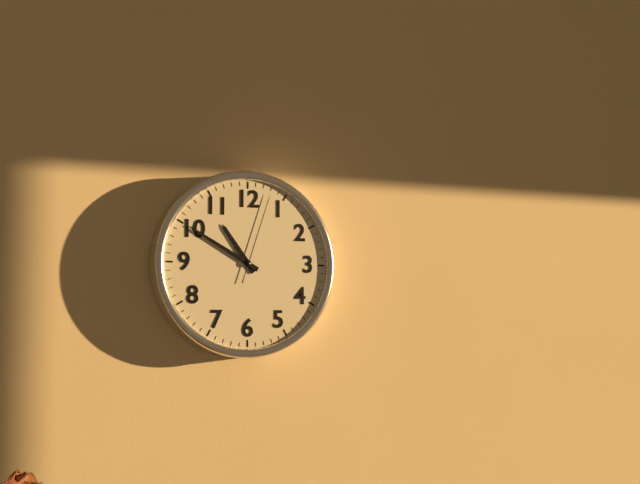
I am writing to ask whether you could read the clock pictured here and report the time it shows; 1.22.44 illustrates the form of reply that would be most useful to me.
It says 10.50.03
